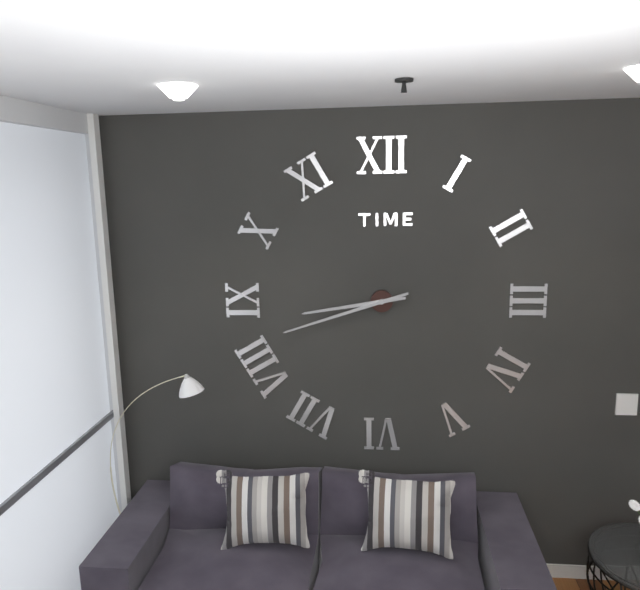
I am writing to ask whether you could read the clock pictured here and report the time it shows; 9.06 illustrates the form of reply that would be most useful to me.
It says 8.42
